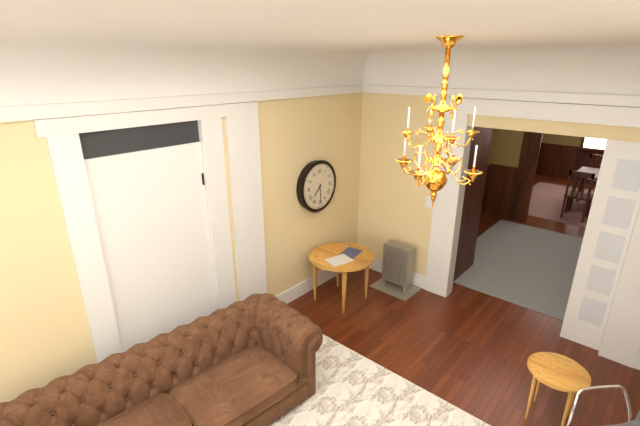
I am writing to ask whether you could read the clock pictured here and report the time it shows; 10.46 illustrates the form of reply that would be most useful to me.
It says 7.29
